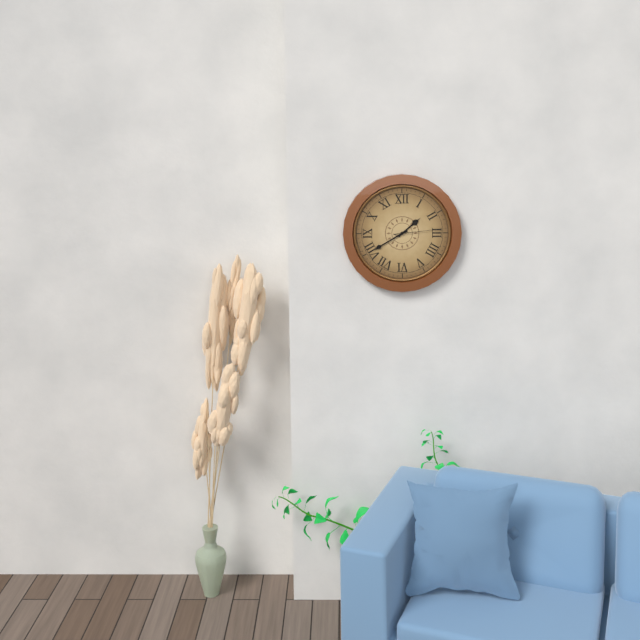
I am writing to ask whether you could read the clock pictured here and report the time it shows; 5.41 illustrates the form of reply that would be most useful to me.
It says 1.40
